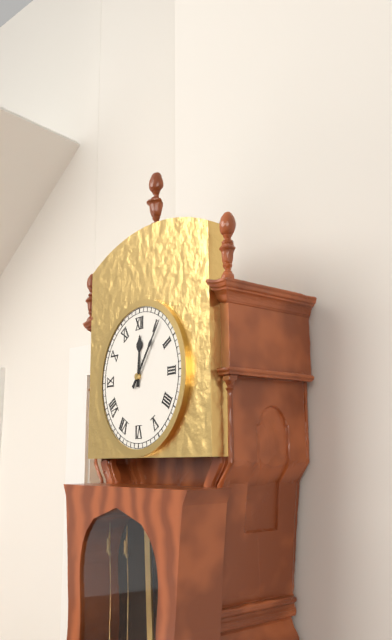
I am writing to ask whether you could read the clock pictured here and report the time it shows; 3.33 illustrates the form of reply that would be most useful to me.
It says 12.06
